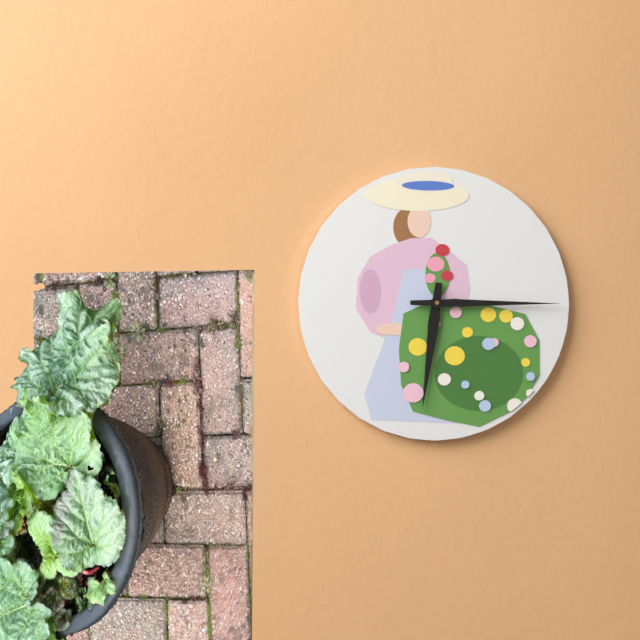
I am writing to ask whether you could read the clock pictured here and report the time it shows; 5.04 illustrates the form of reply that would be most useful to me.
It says 6.15
